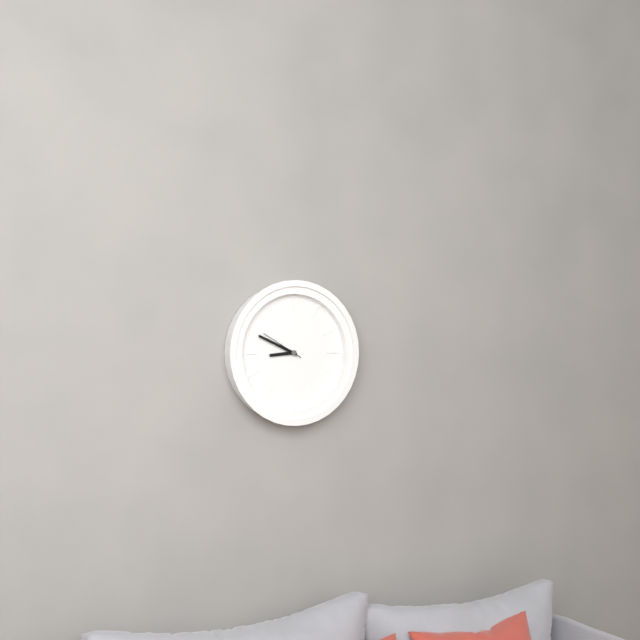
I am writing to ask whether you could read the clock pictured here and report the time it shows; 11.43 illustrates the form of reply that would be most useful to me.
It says 8.49
